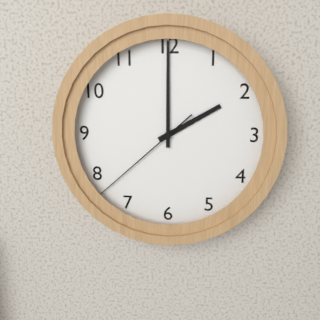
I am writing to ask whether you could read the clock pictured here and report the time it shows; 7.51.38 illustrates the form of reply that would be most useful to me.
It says 2.00.38
